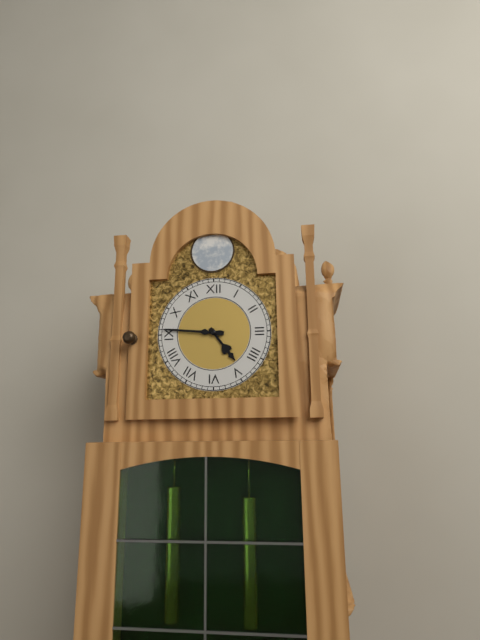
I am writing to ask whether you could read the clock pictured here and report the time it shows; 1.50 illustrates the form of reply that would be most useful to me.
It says 4.46
